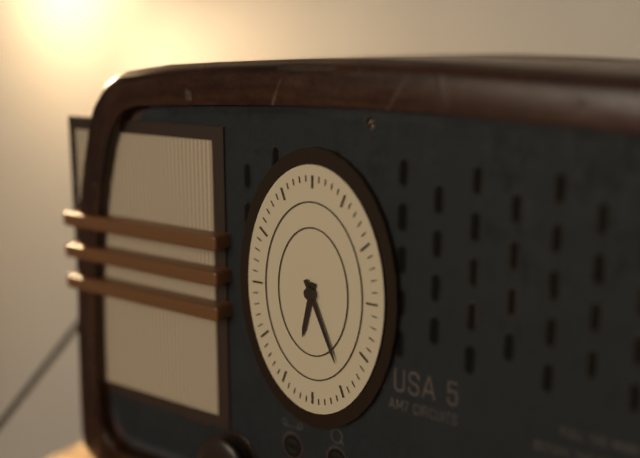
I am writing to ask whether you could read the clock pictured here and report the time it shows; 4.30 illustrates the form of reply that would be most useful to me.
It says 6.26
